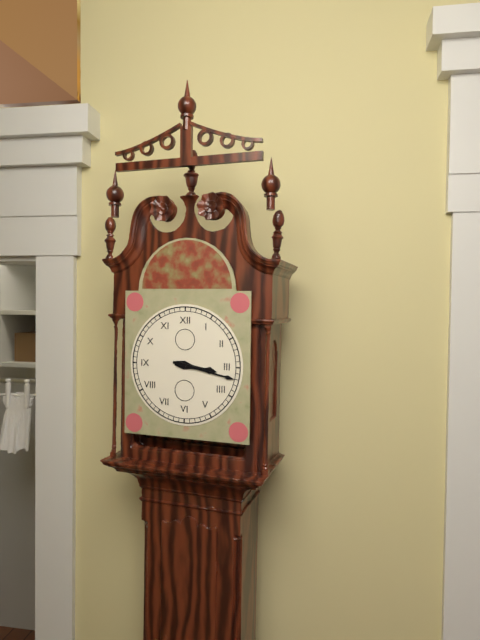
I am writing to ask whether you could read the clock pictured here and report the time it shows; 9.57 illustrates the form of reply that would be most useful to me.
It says 3.17
